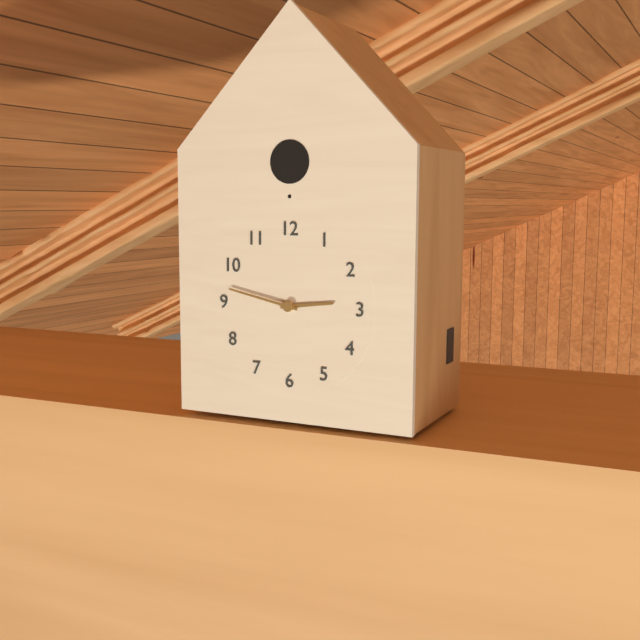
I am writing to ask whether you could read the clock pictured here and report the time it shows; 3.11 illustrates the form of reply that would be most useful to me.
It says 2.47
